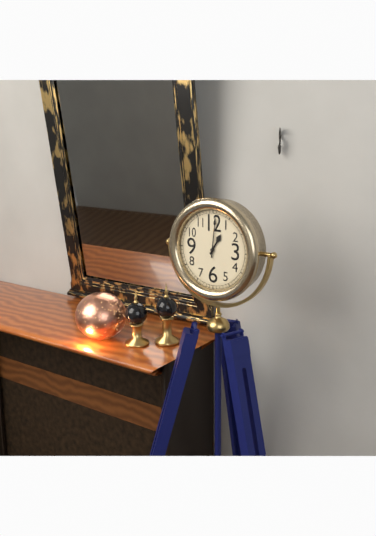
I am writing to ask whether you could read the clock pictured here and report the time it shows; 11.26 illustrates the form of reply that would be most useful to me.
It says 1.01
